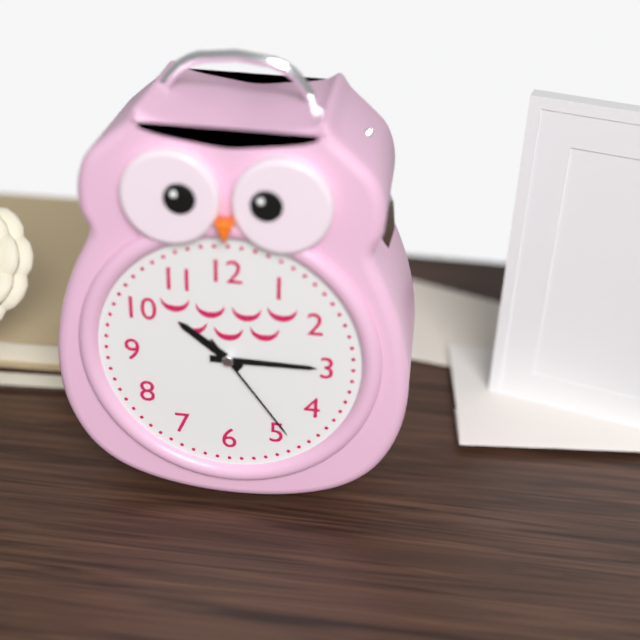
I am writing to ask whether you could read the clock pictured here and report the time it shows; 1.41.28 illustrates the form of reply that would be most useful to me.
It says 10.15.24
